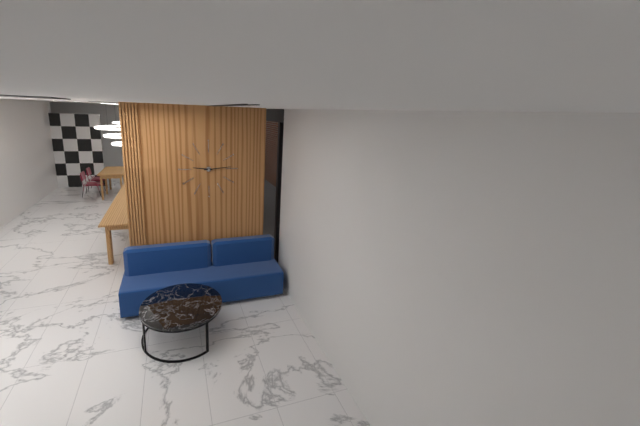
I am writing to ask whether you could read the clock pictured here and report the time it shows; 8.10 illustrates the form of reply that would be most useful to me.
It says 9.14
